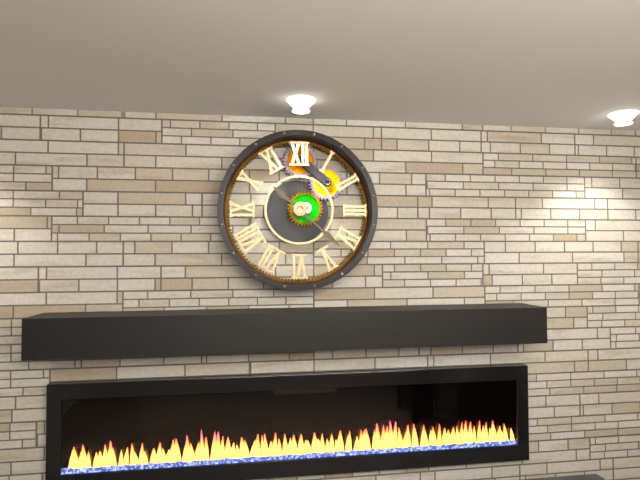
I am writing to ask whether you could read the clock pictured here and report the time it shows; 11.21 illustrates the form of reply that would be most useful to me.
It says 10.22
